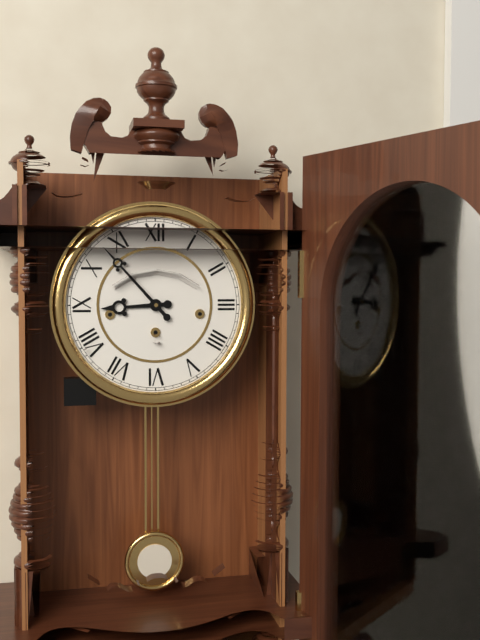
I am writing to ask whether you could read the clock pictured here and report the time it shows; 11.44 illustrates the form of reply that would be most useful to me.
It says 8.53
